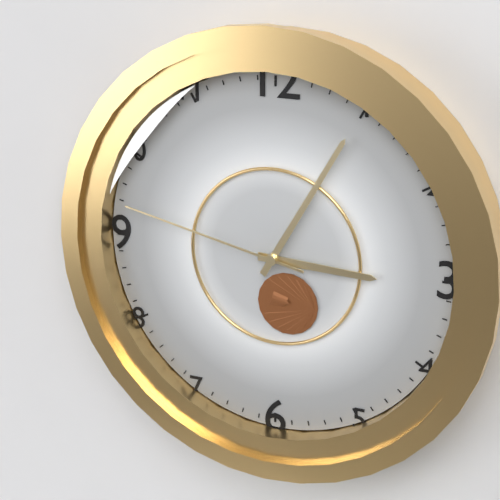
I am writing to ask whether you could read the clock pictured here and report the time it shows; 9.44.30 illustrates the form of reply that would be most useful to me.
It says 3.05.47
